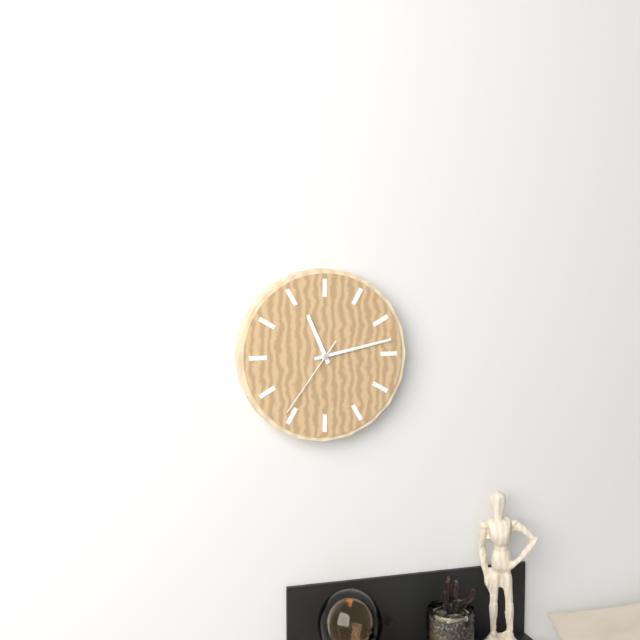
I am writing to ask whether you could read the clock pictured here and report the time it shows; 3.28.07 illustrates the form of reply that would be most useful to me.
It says 11.13.36
